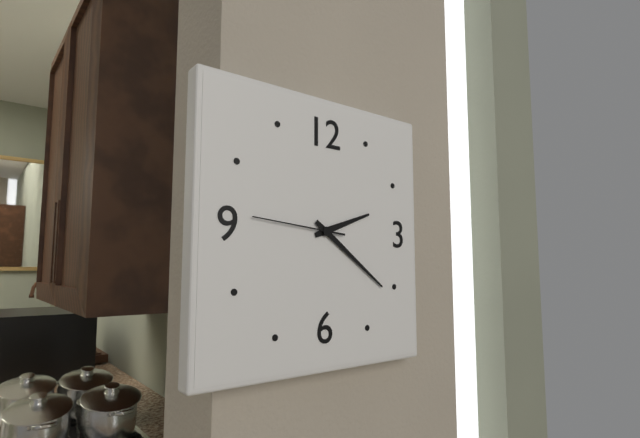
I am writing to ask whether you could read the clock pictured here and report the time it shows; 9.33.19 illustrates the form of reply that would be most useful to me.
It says 2.21.46
